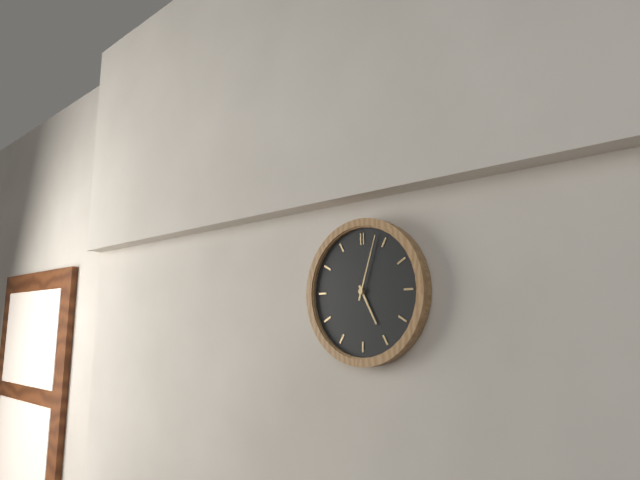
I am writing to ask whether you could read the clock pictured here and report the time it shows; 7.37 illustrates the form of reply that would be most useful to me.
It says 5.03
